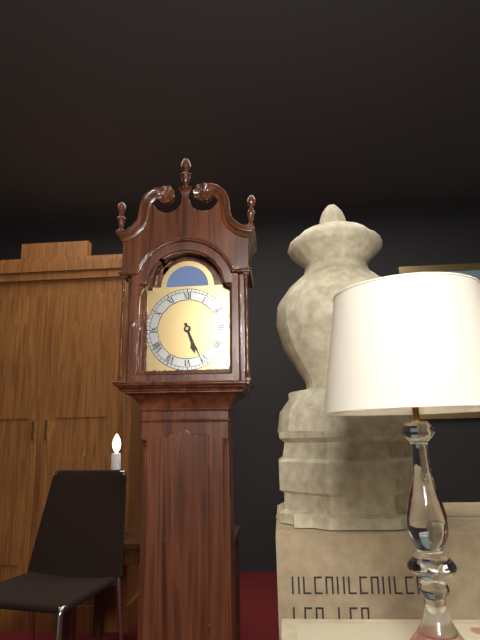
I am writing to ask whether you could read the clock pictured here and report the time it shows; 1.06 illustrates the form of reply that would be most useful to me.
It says 5.26
